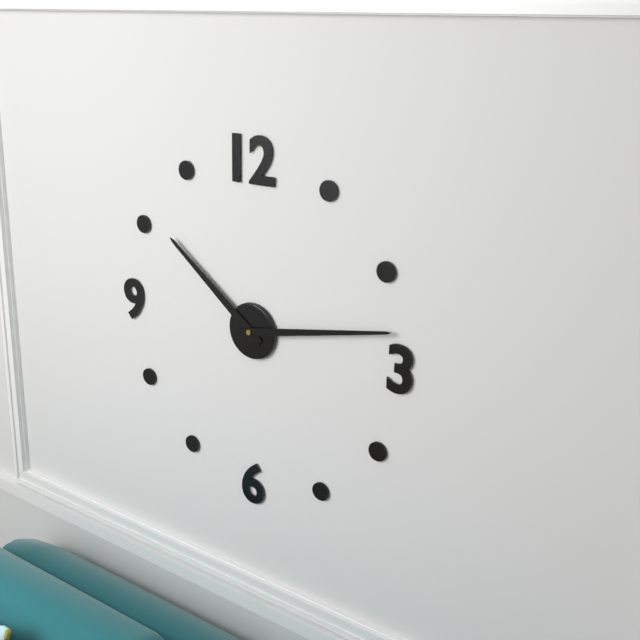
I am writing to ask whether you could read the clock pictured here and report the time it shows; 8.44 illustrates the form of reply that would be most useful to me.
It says 10.13
